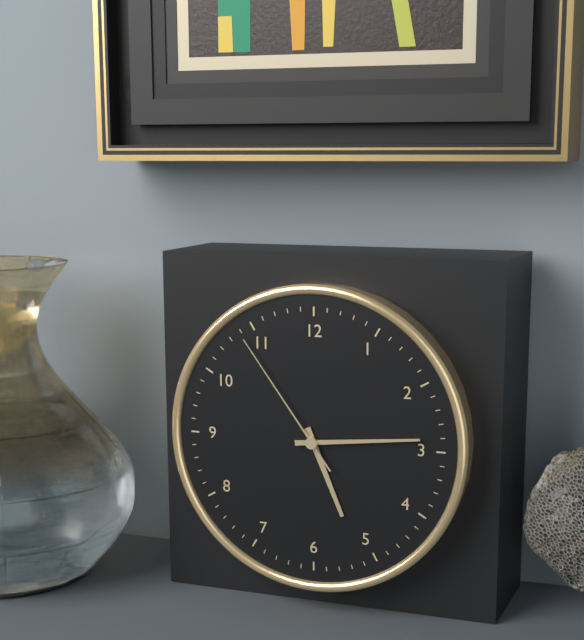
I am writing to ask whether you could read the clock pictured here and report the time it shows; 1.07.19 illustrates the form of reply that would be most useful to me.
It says 5.14.54
